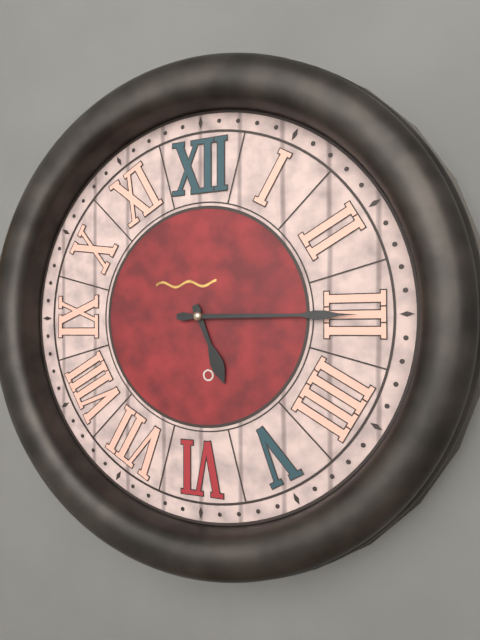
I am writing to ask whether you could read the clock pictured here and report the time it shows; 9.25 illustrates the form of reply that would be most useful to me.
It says 5.15
